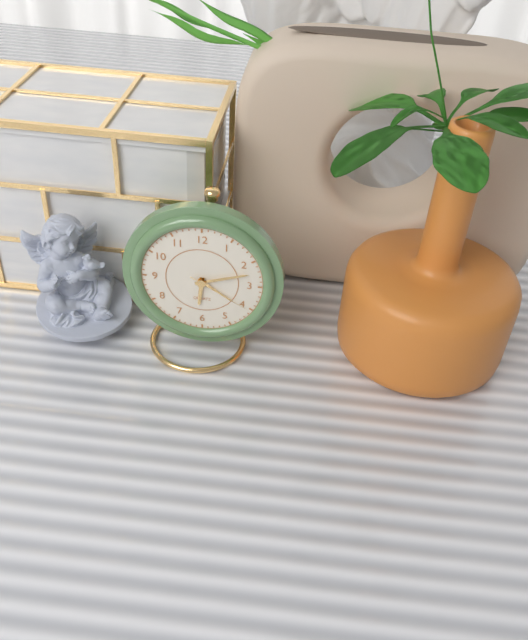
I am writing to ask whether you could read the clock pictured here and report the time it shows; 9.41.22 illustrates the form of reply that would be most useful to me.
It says 6.12.20
